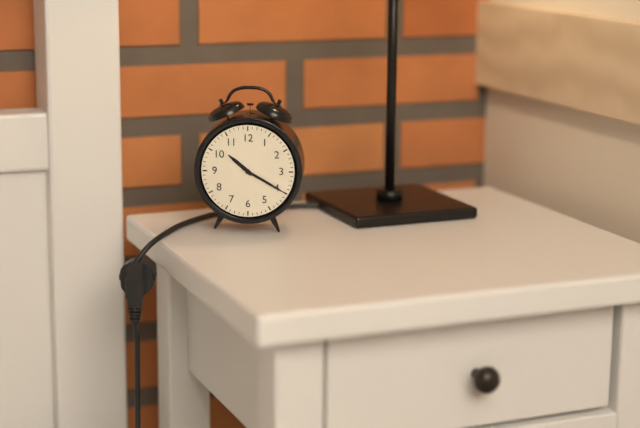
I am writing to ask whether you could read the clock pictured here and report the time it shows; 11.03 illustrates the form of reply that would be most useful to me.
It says 10.20
